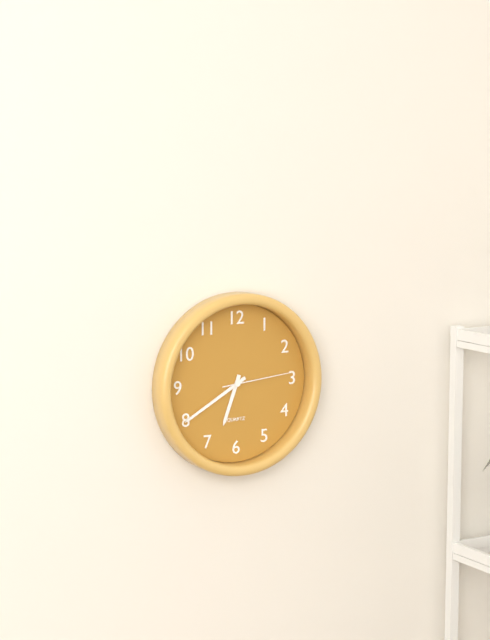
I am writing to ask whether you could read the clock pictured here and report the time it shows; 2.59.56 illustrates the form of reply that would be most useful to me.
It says 6.40.14
